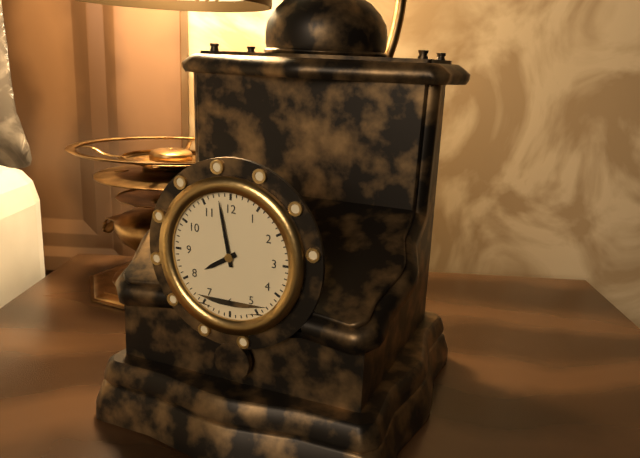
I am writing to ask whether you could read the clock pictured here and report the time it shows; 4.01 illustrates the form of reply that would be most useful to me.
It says 7.58
